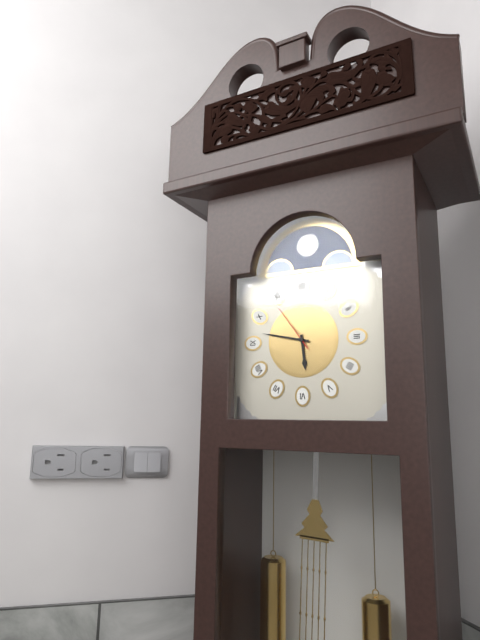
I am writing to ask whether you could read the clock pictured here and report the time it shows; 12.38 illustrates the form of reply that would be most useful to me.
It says 5.47
